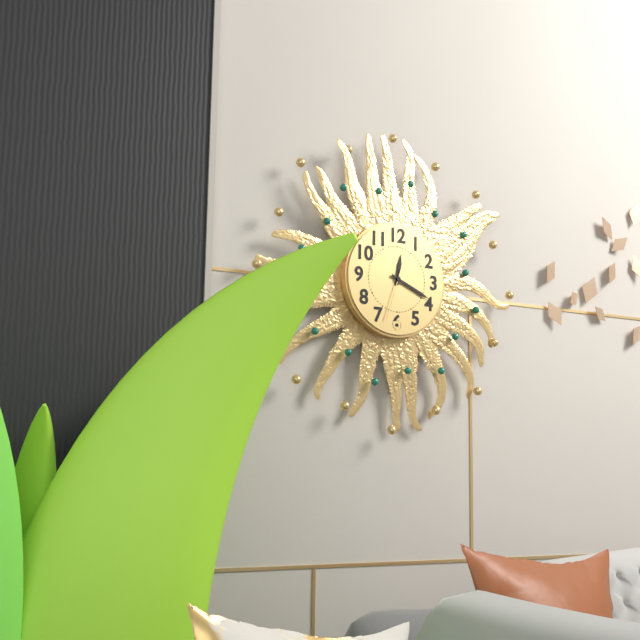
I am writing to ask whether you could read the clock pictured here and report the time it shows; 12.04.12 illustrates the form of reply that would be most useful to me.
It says 12.19.33
